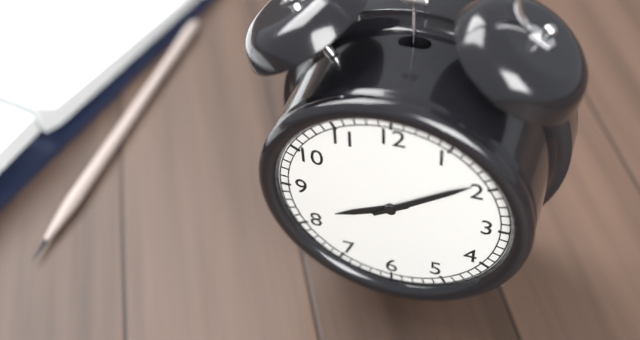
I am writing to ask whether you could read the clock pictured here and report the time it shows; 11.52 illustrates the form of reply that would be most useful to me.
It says 8.09
